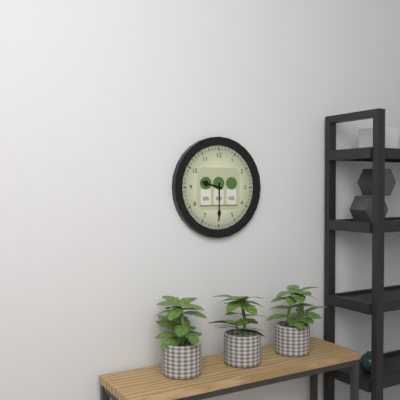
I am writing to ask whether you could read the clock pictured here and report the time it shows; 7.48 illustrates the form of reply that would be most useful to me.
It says 9.30
